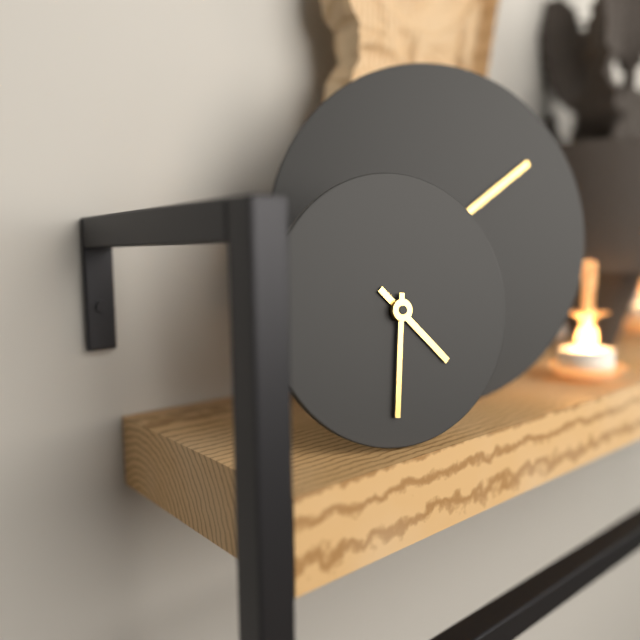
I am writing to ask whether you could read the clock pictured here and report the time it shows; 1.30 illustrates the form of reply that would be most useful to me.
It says 4.31
